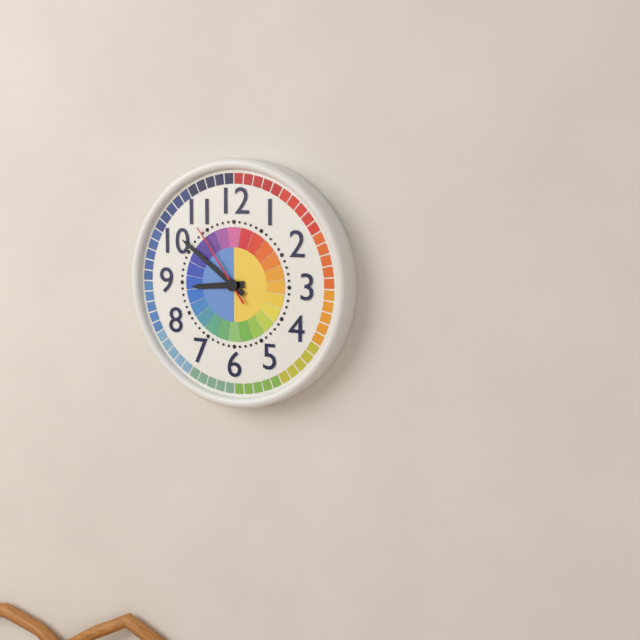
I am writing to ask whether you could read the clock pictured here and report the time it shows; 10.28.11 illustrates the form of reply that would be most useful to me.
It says 8.51.54
